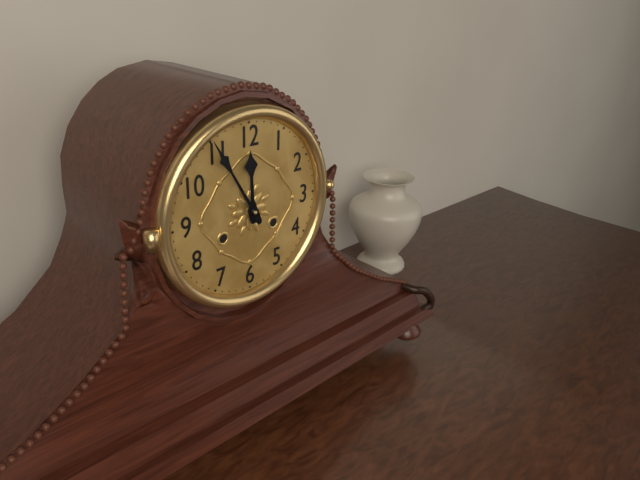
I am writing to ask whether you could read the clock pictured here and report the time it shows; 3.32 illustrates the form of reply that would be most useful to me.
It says 11.55
